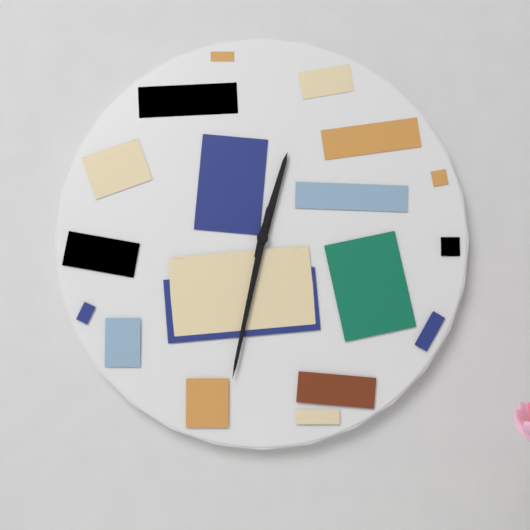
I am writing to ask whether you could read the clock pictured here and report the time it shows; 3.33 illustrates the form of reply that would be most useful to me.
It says 12.32
